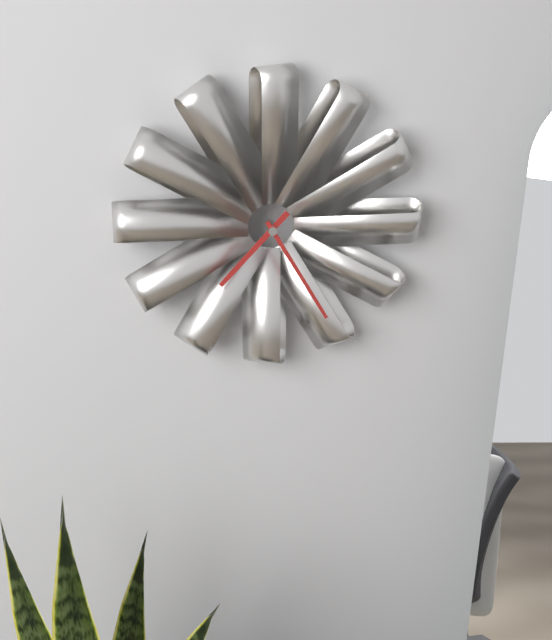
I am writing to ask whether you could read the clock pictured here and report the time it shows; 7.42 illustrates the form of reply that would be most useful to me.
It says 7.25
